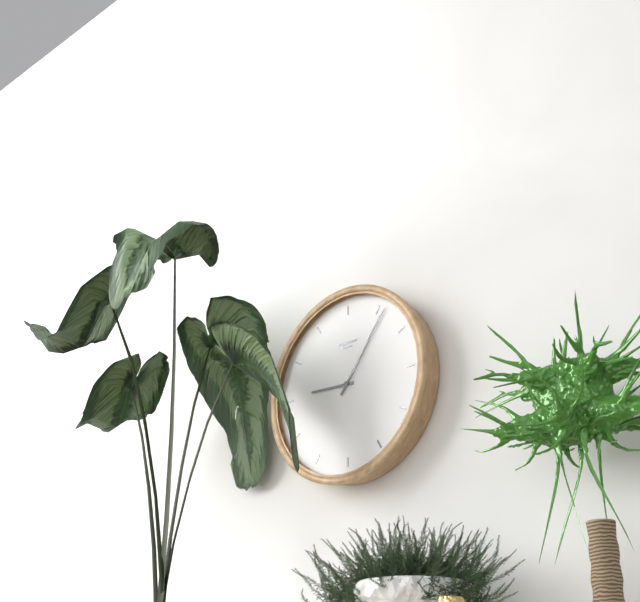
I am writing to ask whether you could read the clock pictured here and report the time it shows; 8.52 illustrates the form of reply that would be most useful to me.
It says 9.06
